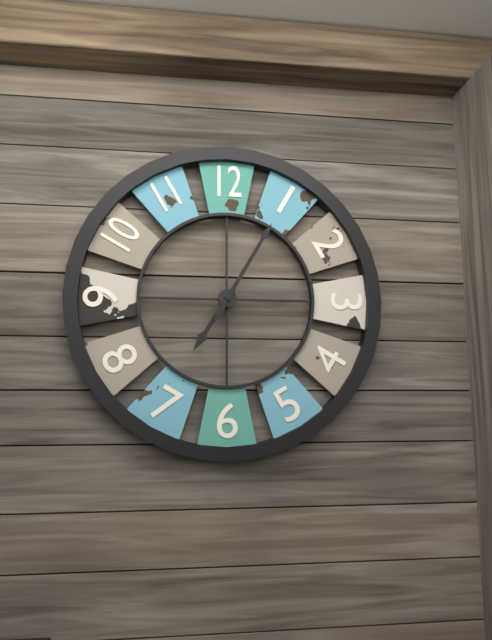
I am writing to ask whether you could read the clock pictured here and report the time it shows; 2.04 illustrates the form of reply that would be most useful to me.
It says 7.05
